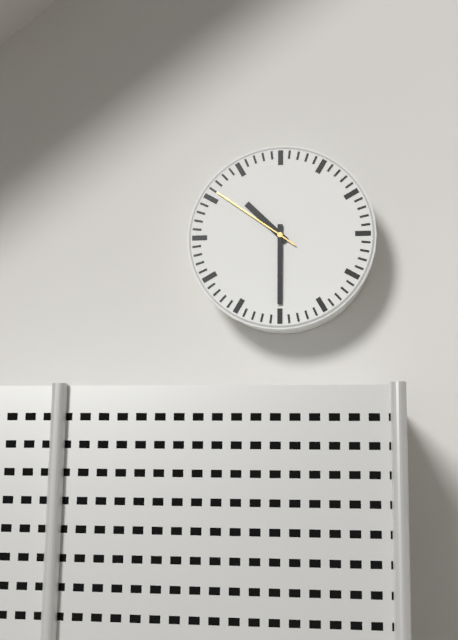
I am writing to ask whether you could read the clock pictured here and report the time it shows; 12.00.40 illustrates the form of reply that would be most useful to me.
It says 10.30.51
